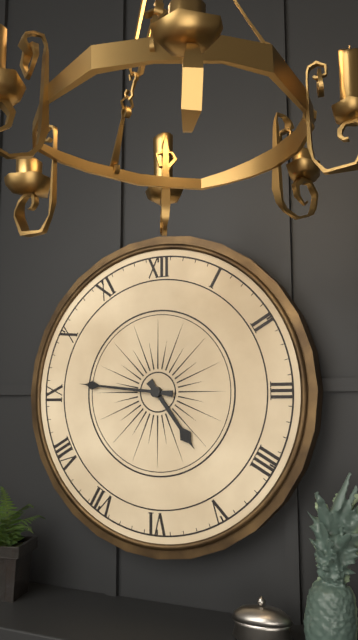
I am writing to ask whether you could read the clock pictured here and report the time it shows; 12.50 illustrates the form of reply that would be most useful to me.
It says 4.46
